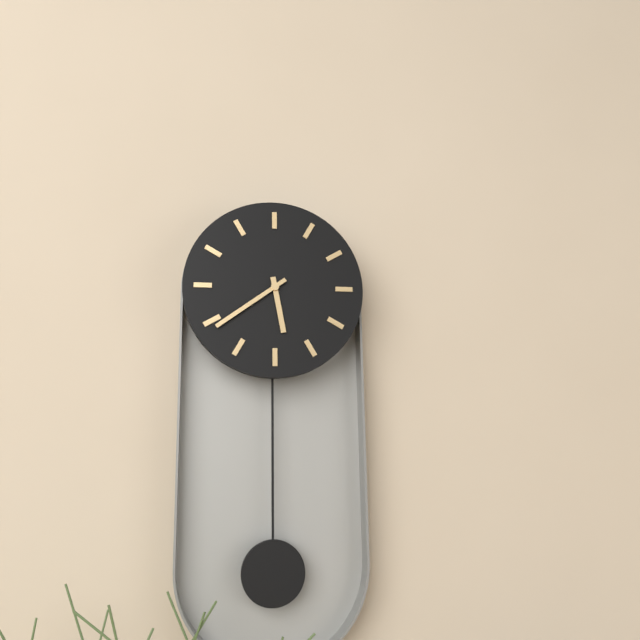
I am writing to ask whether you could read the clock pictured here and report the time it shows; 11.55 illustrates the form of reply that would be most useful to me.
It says 5.39
